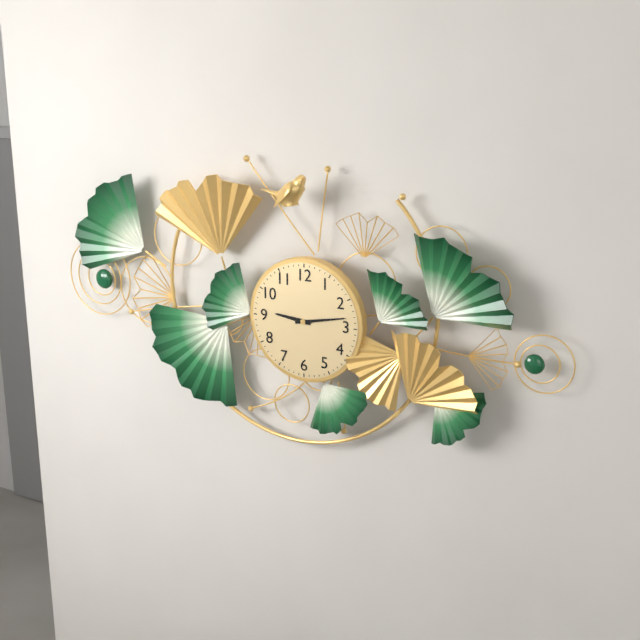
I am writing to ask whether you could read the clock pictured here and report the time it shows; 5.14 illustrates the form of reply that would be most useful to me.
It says 9.13
